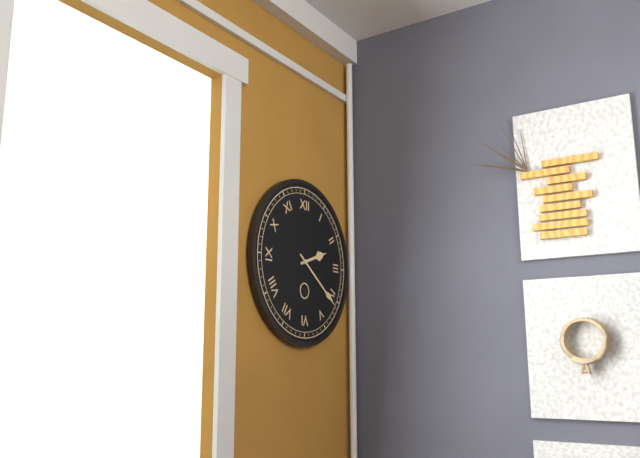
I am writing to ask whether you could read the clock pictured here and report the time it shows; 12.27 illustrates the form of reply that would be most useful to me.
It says 2.21
